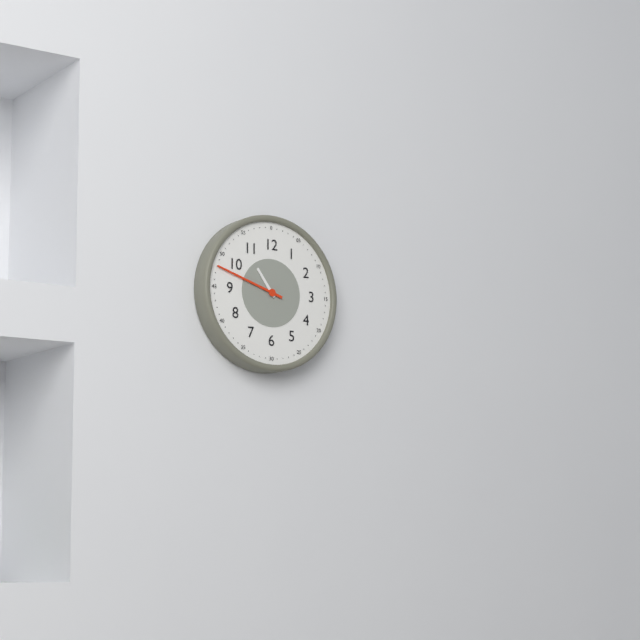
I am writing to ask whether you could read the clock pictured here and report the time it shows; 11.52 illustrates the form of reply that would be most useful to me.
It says 10.48
